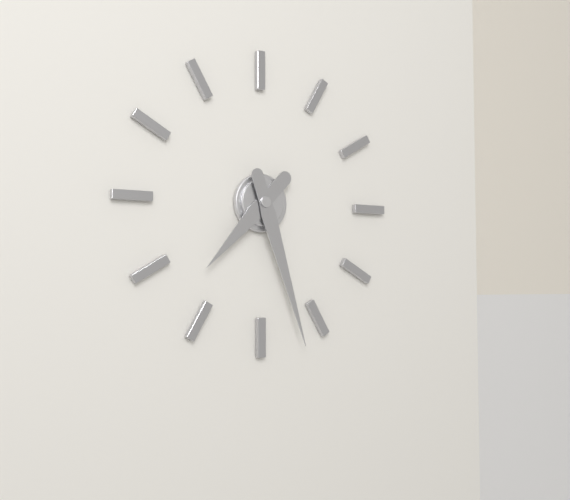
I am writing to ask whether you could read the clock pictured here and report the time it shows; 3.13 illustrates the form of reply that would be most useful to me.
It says 7.27
